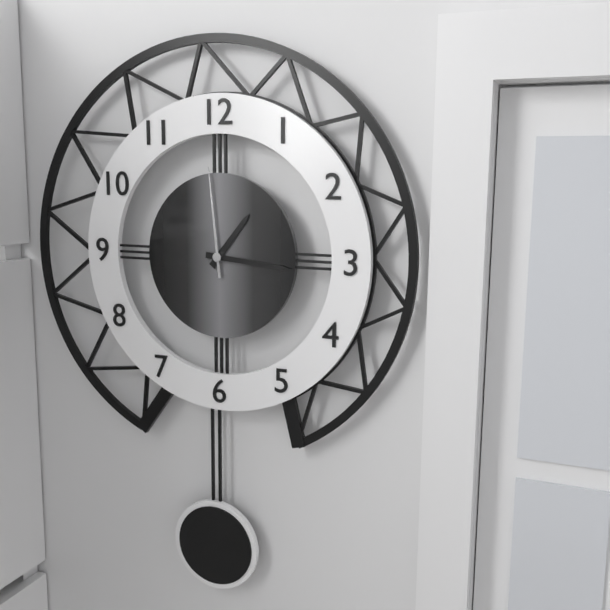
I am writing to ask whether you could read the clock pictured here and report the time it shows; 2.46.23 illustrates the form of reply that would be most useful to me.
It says 1.16.59
